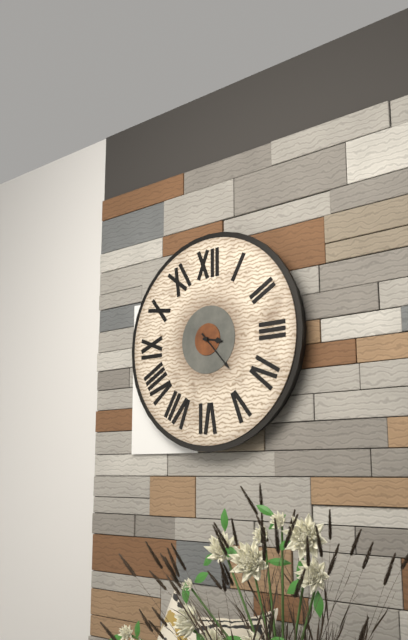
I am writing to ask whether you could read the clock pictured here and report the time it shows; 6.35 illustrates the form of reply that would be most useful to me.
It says 3.23
